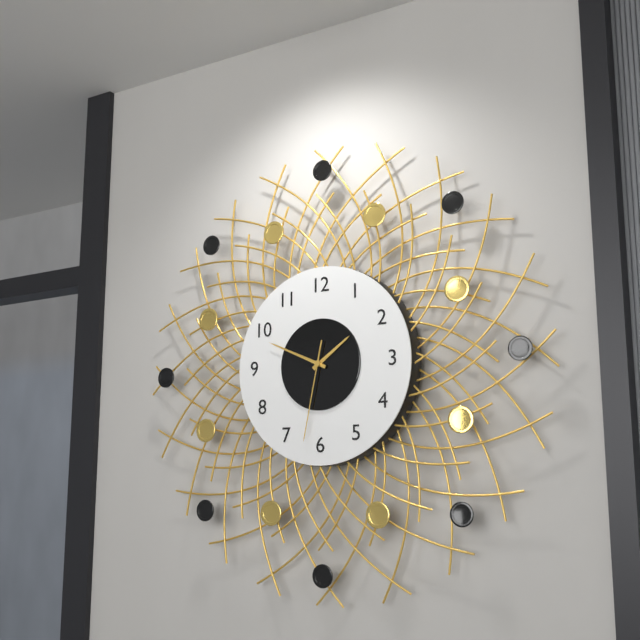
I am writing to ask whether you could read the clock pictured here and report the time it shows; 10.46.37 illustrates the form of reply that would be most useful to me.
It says 1.49.32
